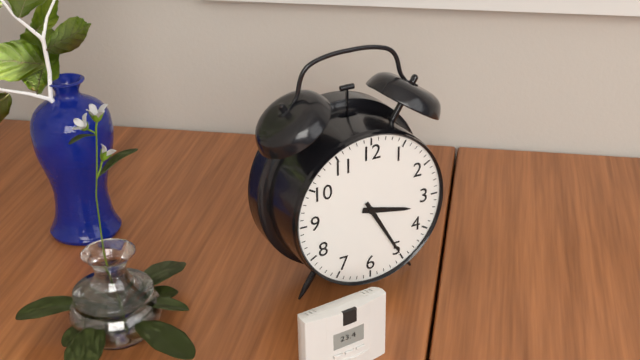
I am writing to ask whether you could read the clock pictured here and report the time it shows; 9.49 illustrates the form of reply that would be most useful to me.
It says 3.25
